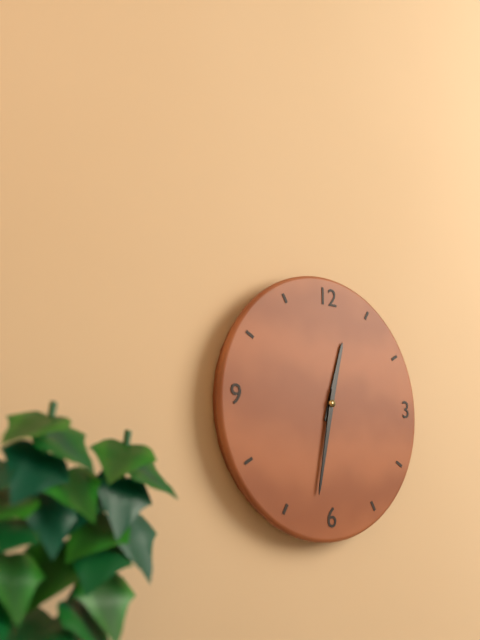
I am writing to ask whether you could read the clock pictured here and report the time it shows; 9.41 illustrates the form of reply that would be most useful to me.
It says 12.32
